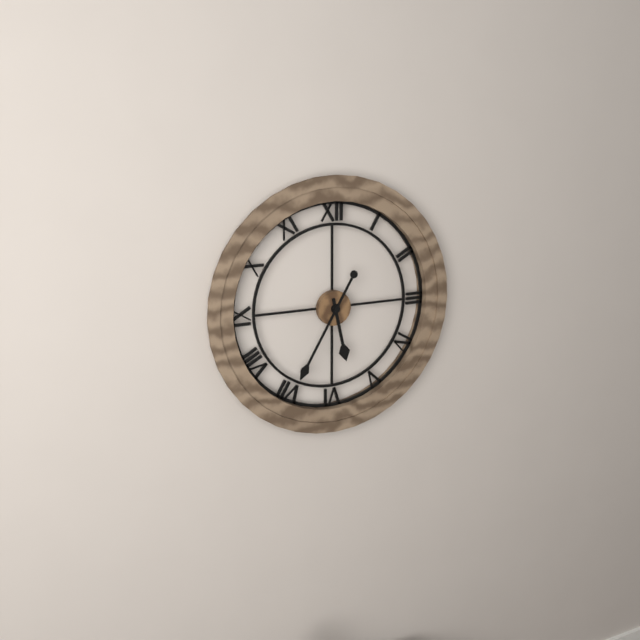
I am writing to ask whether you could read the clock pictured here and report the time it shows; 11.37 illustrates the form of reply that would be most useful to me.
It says 5.35
